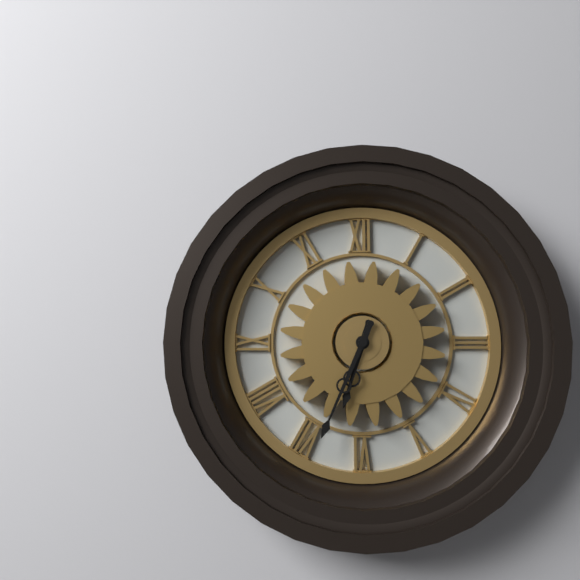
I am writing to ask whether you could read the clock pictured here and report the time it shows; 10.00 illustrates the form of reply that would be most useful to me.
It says 6.34
